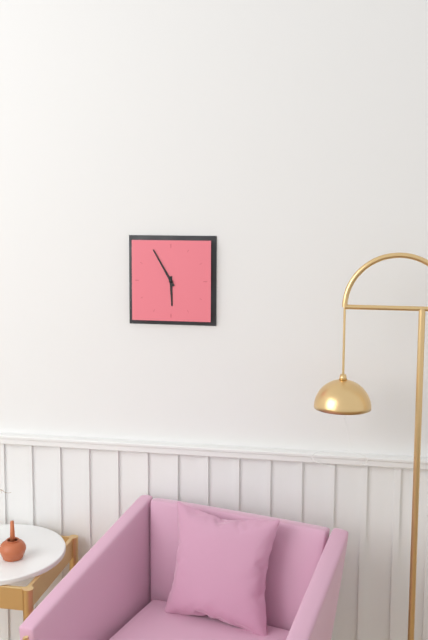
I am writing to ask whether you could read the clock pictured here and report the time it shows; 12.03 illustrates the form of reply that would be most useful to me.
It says 5.55
